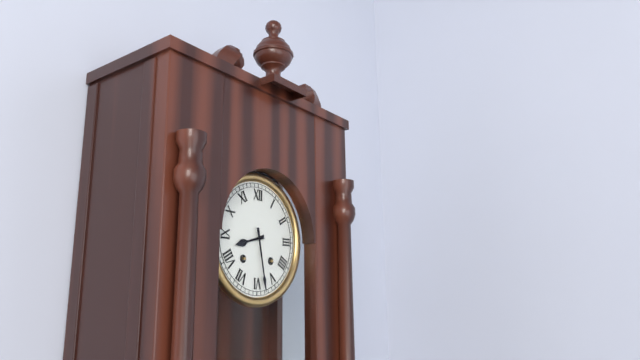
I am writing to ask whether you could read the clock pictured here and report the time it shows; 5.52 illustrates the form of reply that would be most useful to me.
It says 8.28
